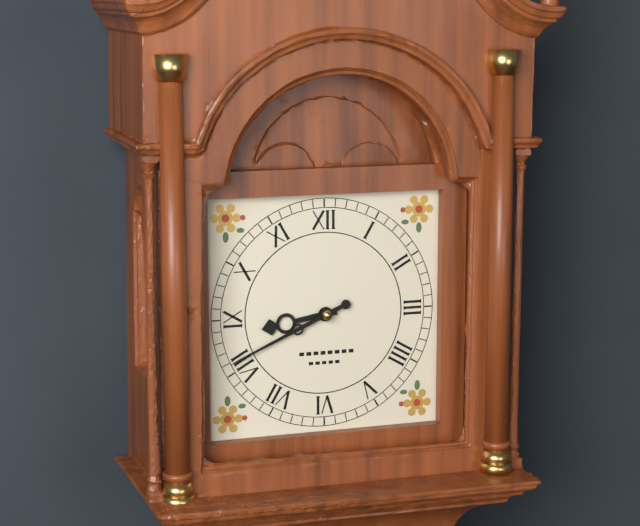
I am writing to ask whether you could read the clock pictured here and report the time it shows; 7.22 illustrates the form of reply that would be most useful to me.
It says 8.41
